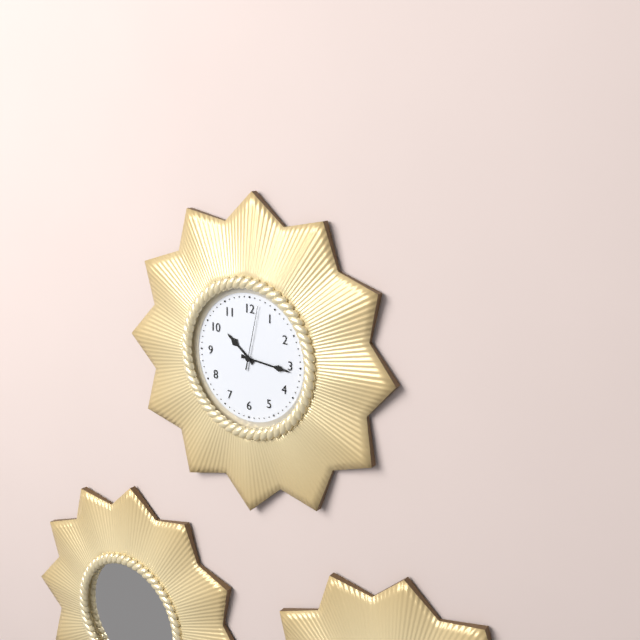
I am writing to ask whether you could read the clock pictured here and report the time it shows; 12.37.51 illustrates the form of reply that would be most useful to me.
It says 10.16.02
